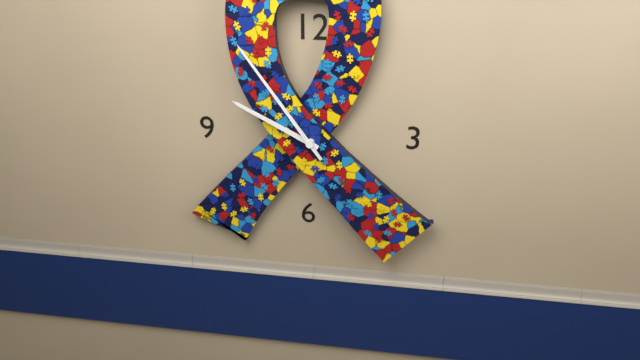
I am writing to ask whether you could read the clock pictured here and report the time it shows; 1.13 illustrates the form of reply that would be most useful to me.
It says 9.54
